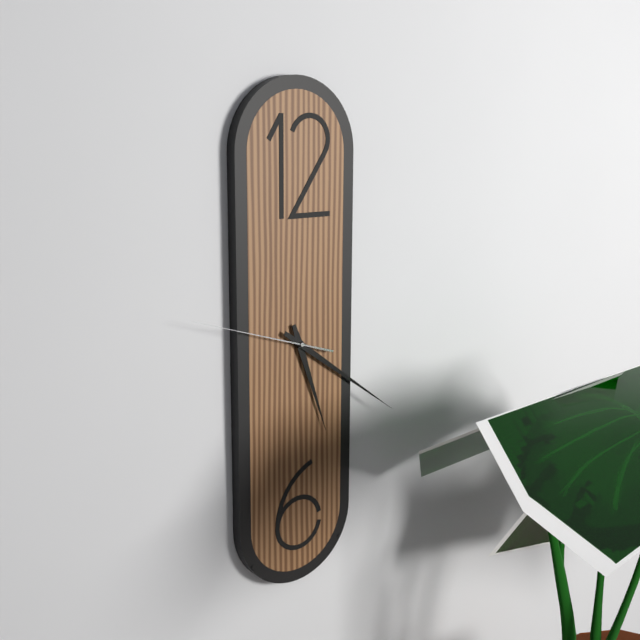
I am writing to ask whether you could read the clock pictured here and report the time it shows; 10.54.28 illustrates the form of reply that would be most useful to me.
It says 5.21.48
